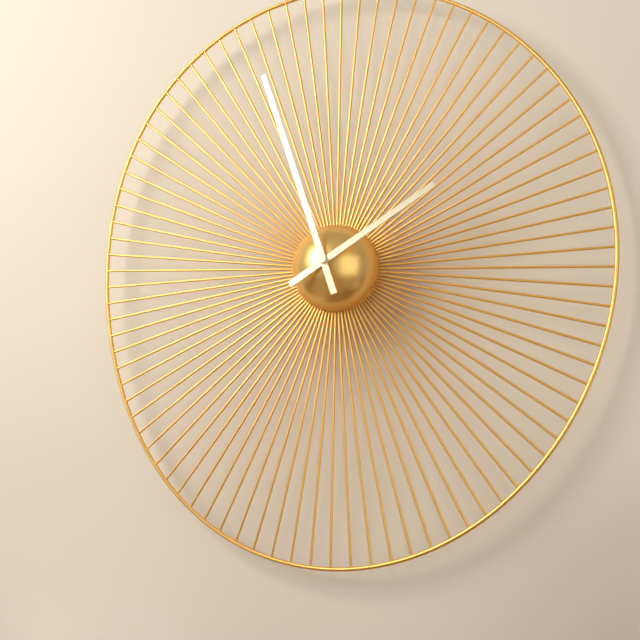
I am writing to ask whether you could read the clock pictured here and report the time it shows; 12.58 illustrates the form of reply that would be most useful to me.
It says 1.57
